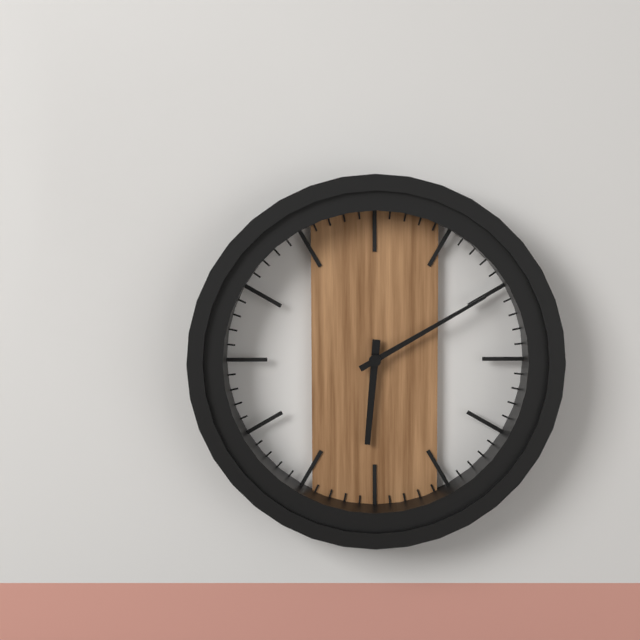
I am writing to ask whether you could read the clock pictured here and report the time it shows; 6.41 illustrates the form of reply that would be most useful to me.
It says 6.10
